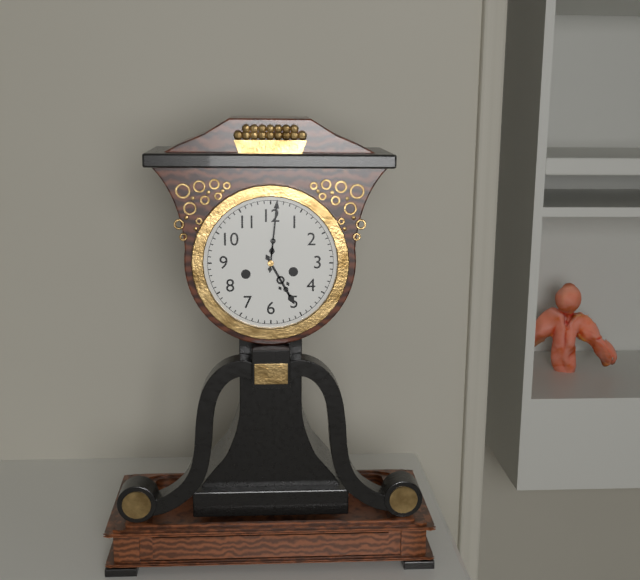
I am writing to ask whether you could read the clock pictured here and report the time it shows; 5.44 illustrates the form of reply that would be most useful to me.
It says 5.01
